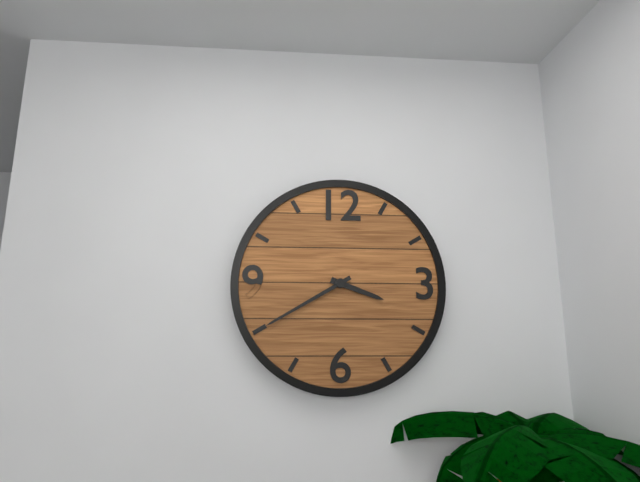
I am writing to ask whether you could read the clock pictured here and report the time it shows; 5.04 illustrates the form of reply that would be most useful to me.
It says 3.40
